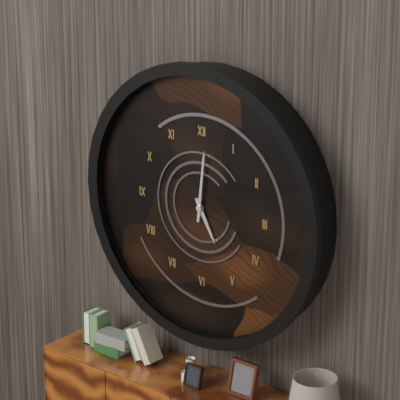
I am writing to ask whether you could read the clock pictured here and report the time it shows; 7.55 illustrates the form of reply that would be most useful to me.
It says 5.01
